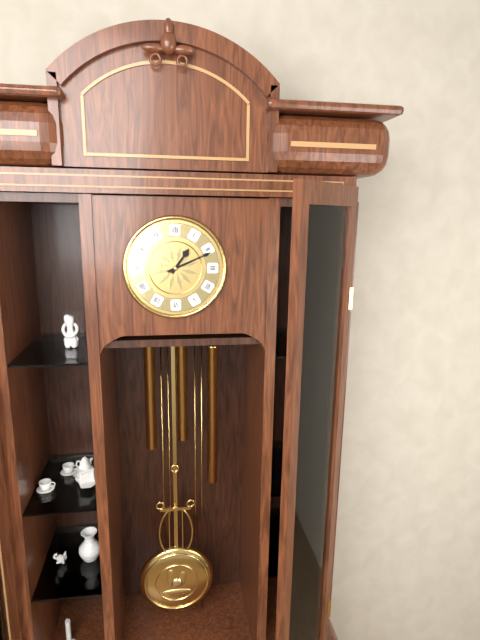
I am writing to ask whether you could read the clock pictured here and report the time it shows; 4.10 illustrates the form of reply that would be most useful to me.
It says 1.11
